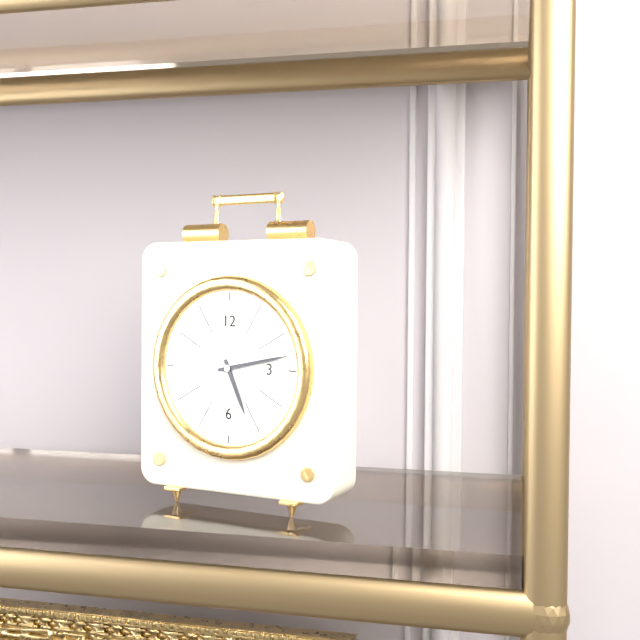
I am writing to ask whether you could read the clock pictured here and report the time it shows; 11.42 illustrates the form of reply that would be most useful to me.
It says 5.13
